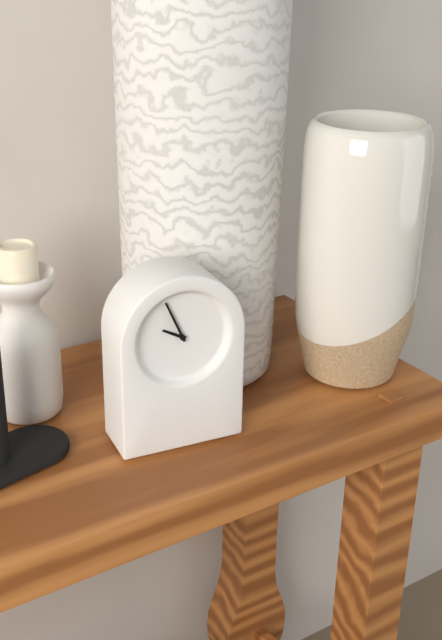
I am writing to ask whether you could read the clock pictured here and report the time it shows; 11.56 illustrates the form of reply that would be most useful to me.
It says 9.56
